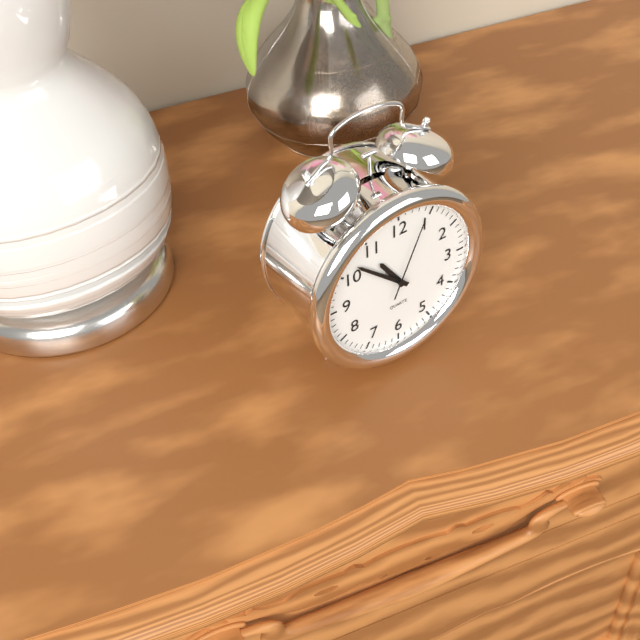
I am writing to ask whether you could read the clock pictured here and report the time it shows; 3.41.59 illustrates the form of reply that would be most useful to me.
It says 10.52.04
